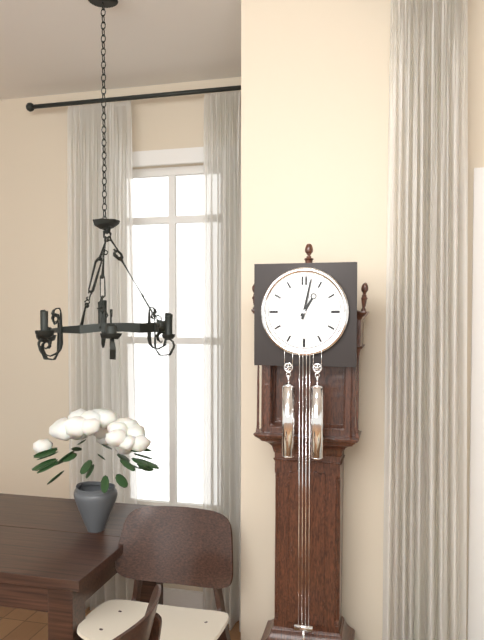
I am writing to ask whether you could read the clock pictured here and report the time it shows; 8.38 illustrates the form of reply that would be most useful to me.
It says 1.02
